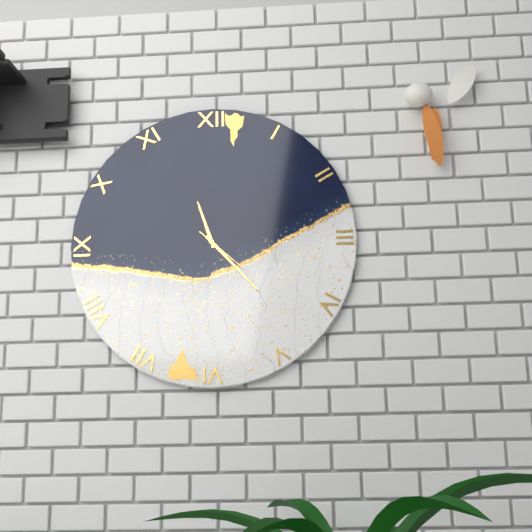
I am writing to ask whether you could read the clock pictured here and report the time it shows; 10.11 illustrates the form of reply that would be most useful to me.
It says 11.23
